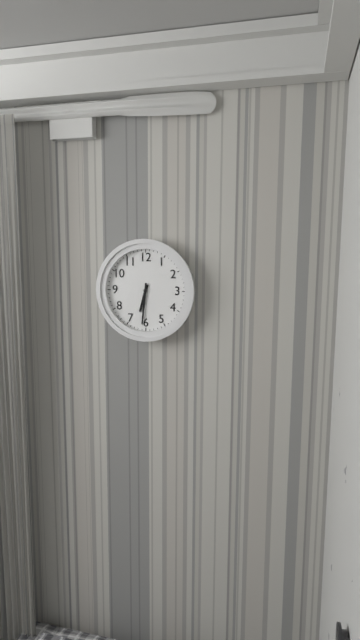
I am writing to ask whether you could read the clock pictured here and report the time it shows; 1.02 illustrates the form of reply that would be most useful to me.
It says 6.31
